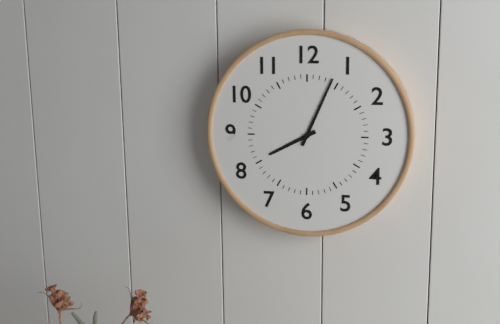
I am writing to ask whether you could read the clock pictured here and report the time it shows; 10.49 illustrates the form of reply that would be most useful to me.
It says 8.04
